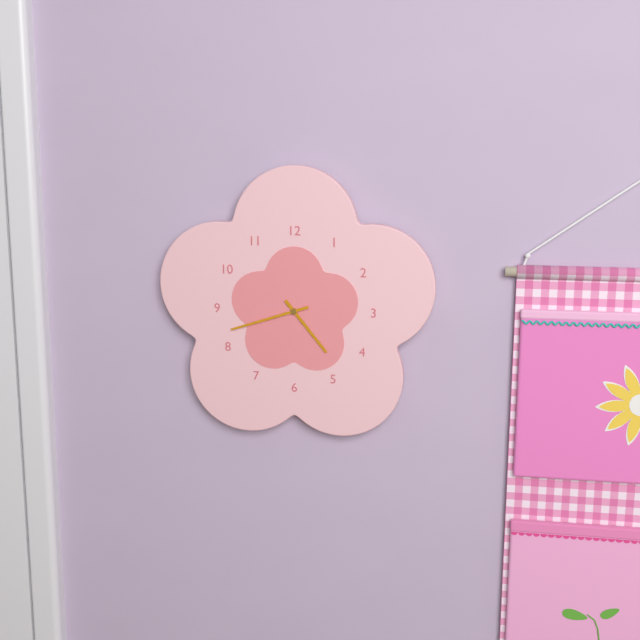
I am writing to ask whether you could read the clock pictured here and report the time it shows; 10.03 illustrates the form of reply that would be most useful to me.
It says 4.42
